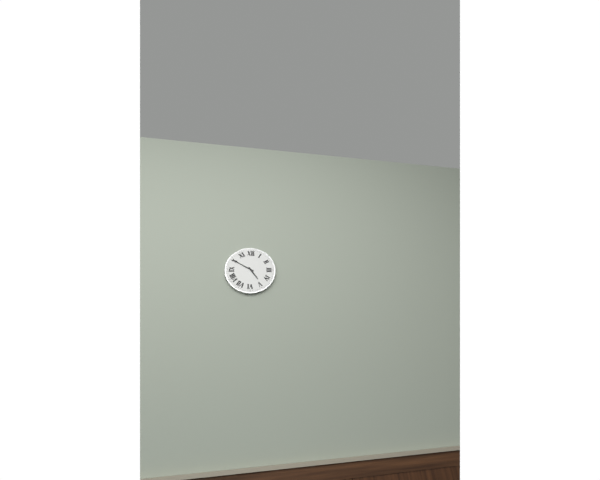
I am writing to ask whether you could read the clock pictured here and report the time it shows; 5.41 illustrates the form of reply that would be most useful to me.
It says 4.50
